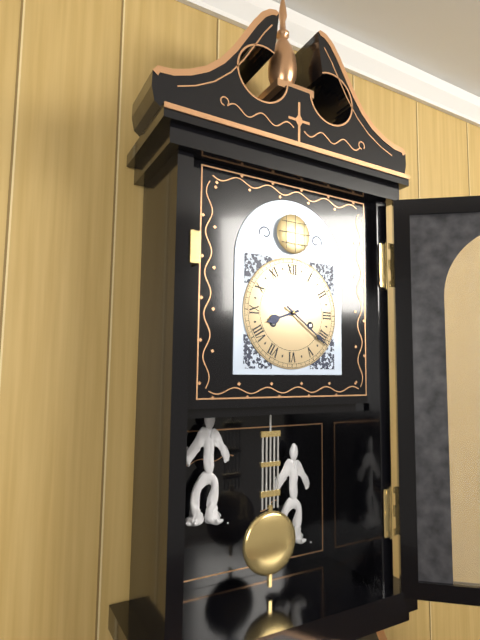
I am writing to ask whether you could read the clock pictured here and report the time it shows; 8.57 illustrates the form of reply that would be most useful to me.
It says 8.21
